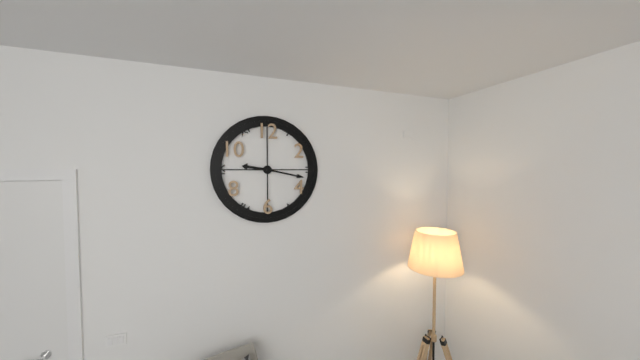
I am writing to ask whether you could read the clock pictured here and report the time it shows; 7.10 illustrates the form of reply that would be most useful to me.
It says 9.17
